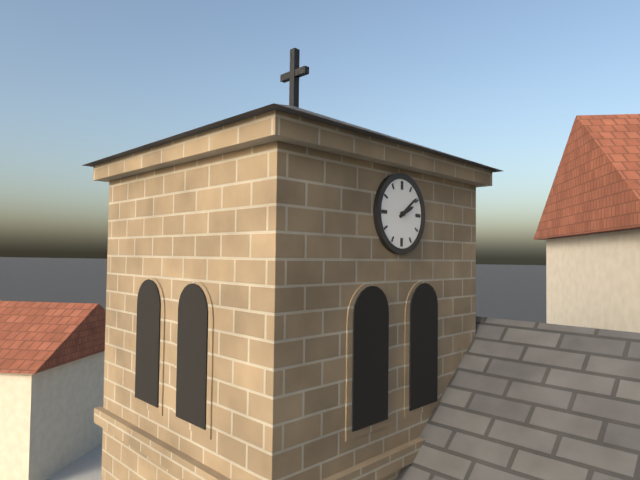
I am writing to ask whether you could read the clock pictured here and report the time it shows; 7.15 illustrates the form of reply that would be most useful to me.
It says 2.09
